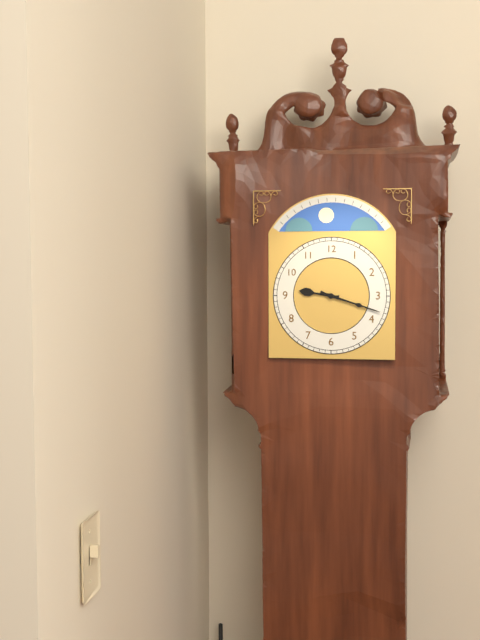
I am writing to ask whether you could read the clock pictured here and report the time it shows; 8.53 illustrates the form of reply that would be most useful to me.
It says 9.18
